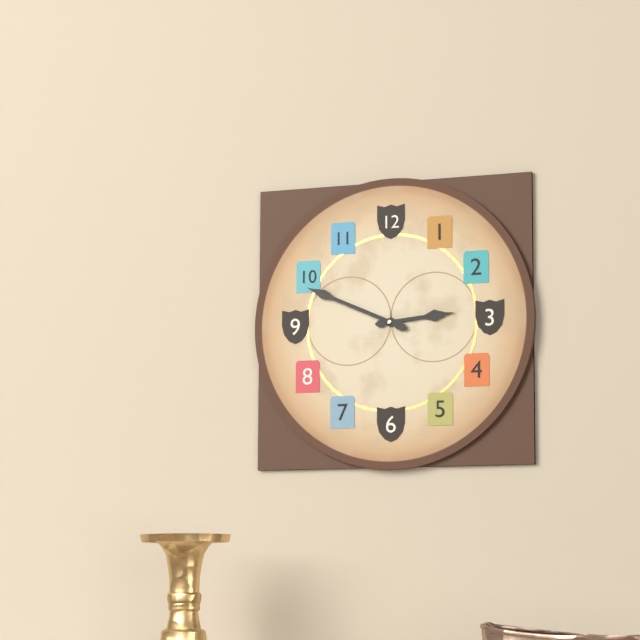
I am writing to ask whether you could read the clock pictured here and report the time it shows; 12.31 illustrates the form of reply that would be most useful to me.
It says 2.49
